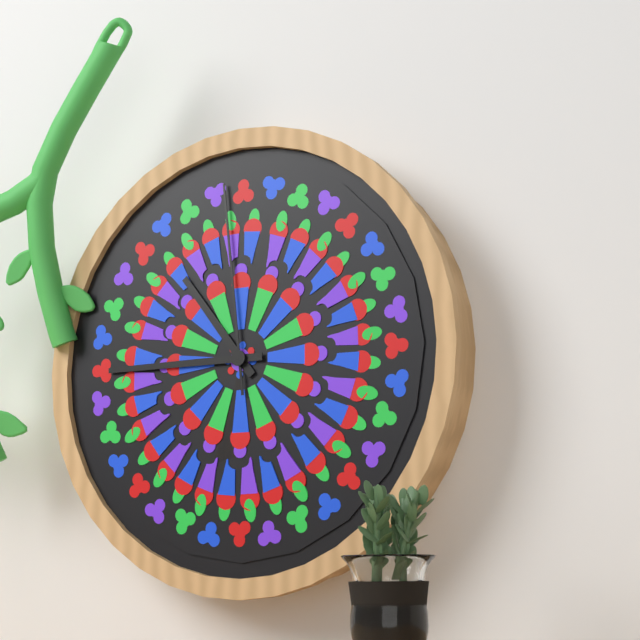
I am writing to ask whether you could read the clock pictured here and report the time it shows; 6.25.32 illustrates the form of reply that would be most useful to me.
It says 10.45.59
